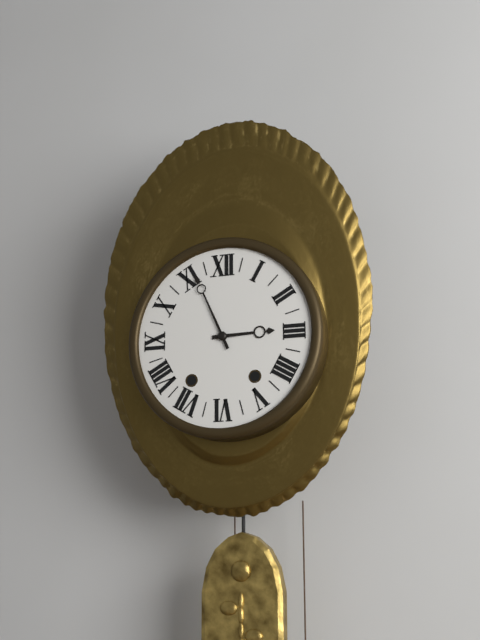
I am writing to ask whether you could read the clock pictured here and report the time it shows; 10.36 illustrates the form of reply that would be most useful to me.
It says 2.56
